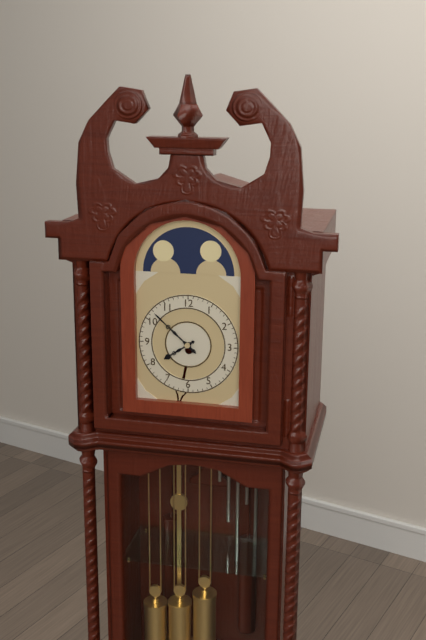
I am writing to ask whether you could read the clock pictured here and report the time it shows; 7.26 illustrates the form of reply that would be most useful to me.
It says 7.52
